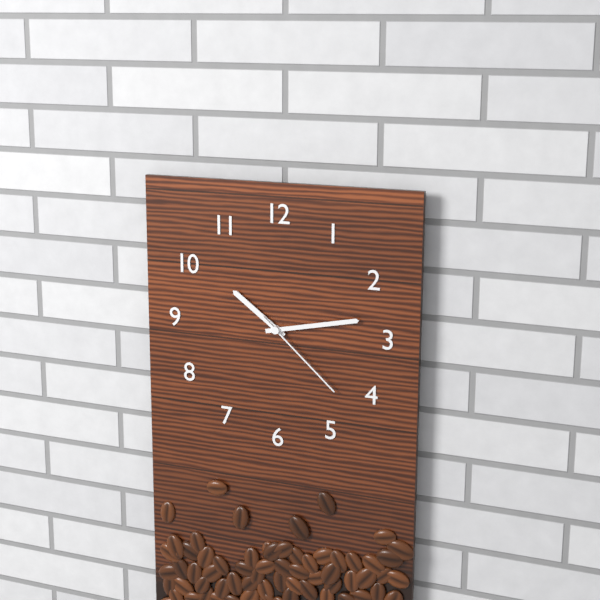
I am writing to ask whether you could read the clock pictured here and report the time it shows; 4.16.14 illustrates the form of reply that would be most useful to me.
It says 10.13.22
